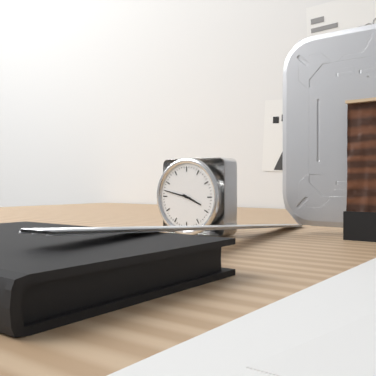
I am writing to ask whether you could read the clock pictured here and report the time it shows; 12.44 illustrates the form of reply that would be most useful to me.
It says 3.47
